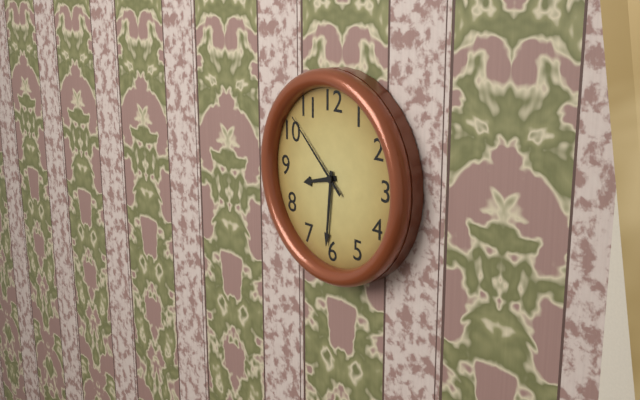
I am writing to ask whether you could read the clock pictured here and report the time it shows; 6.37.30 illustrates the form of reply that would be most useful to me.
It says 8.31.52
